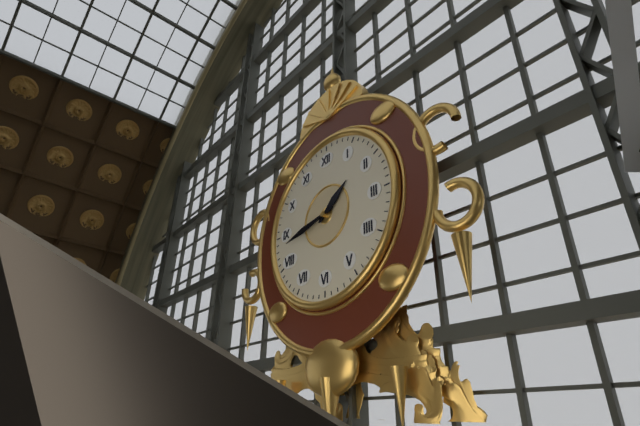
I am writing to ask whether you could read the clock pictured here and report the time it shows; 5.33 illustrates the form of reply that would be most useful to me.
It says 1.43
